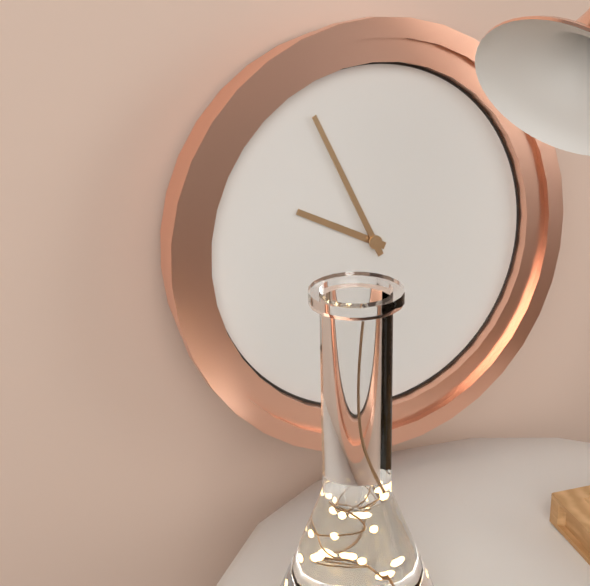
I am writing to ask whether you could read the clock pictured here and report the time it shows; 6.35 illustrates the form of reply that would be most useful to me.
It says 9.56
